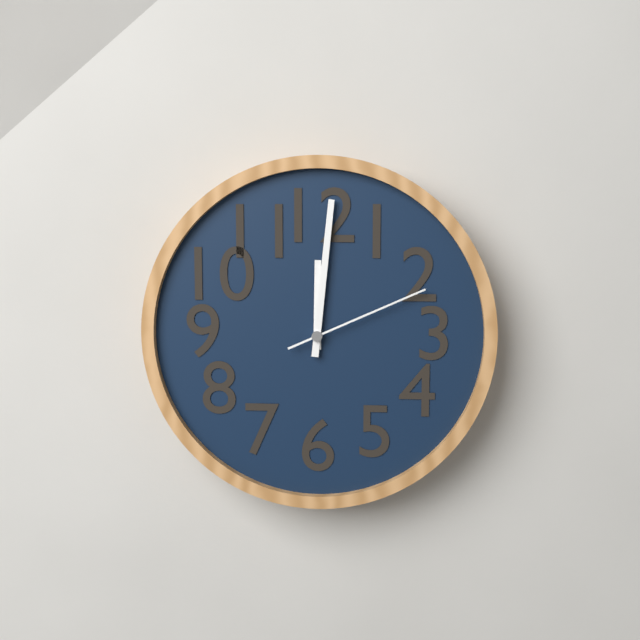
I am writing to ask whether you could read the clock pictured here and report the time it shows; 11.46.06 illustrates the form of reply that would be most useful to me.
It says 12.01.11
